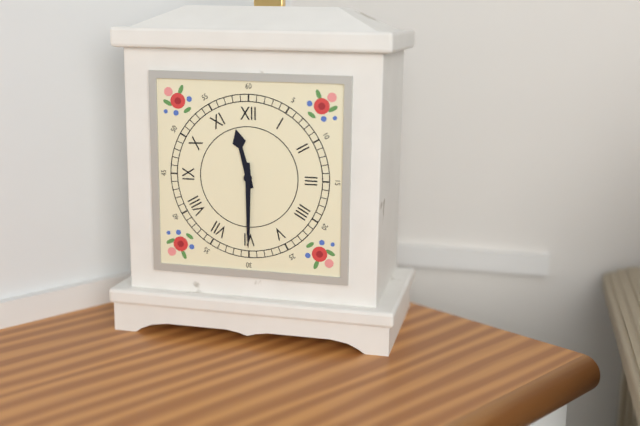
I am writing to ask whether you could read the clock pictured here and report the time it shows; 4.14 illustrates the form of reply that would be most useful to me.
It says 11.30
